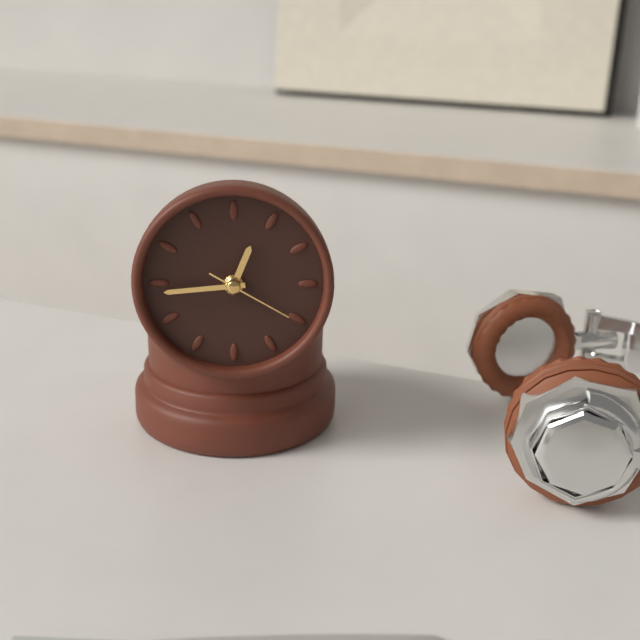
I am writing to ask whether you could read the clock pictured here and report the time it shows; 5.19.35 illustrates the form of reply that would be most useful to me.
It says 12.44.20
